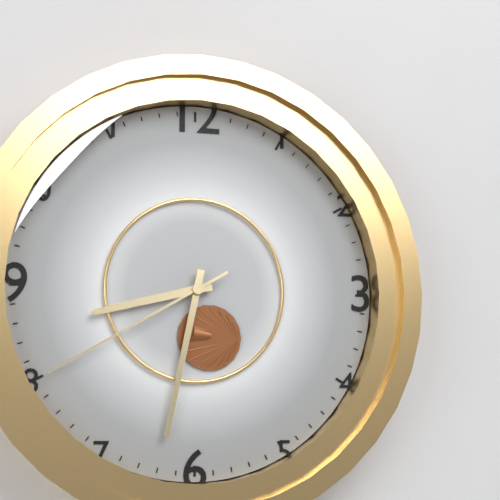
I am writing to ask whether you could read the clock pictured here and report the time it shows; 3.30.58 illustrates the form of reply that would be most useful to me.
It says 8.32.40
